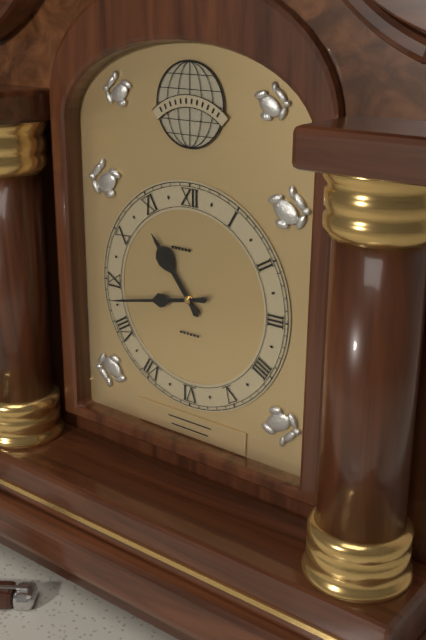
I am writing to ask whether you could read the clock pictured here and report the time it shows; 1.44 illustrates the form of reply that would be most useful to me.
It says 10.43
